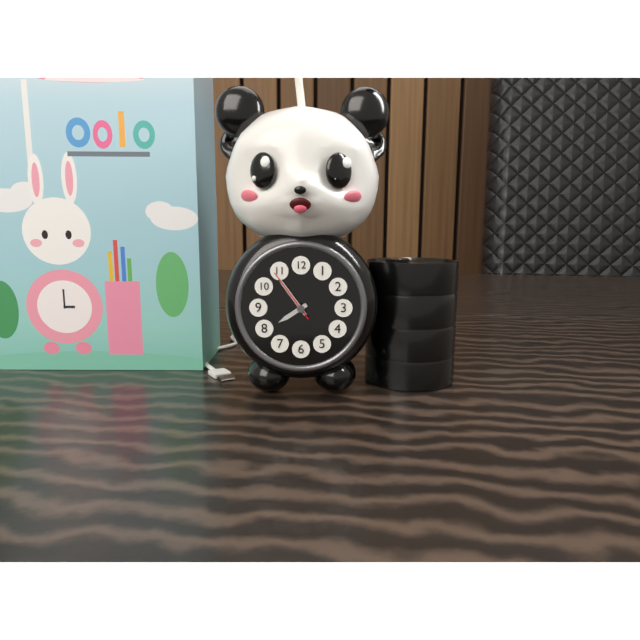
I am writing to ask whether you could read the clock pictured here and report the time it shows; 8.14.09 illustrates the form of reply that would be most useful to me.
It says 7.54.54
